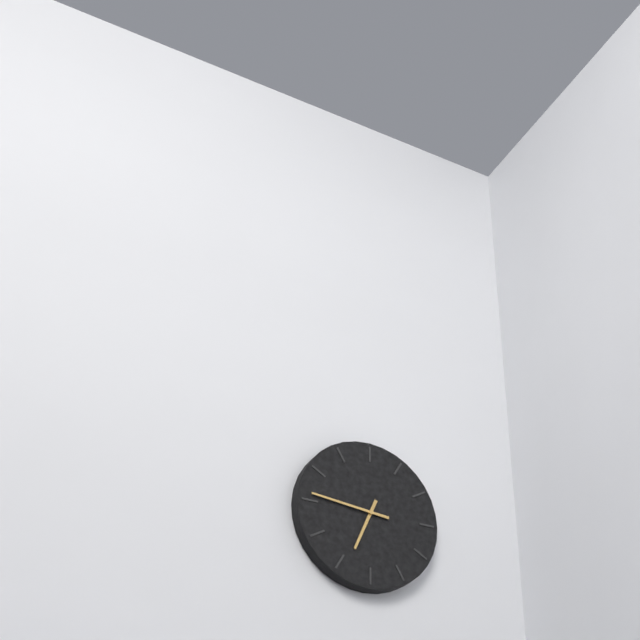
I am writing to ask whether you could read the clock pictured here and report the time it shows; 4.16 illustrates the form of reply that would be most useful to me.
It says 6.46
